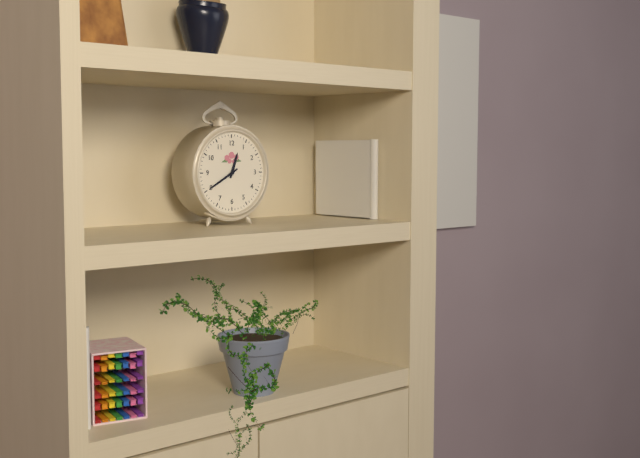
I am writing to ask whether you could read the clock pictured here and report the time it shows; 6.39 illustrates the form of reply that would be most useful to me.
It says 12.40
